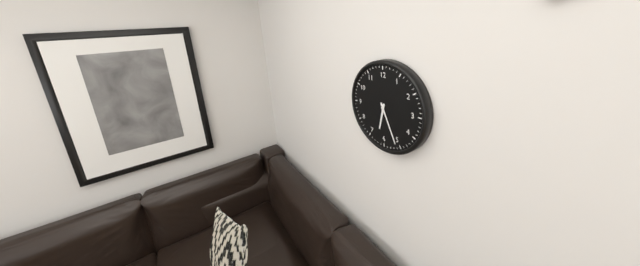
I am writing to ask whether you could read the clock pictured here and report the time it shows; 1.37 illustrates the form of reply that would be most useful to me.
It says 6.26
